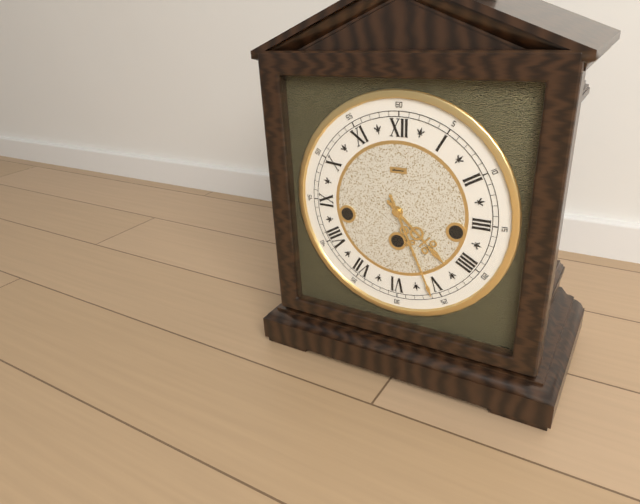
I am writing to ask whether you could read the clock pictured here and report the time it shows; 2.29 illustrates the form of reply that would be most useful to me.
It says 4.26
